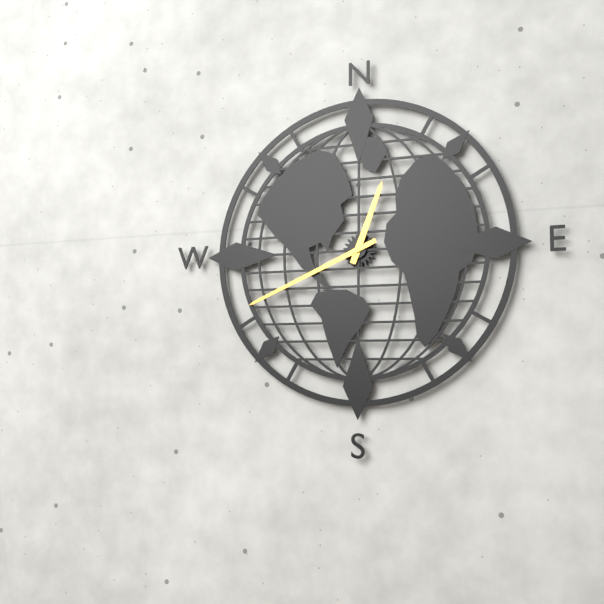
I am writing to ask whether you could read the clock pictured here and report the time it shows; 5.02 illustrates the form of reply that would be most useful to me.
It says 12.41
